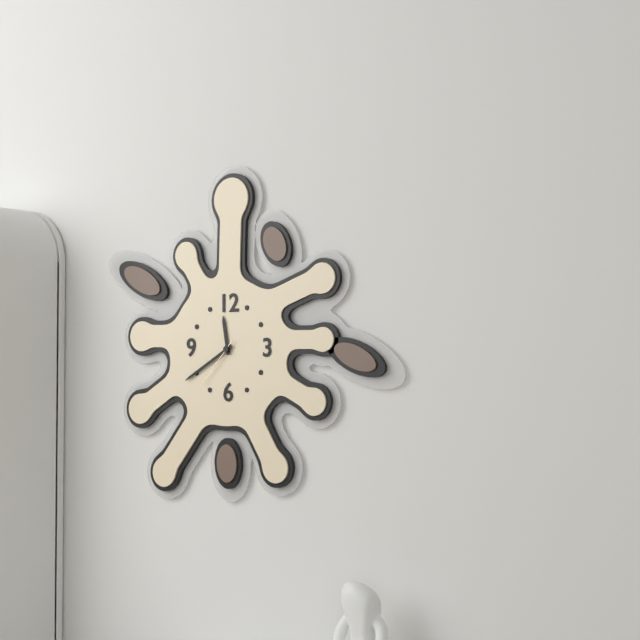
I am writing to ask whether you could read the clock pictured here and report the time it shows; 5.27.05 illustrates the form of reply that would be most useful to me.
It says 11.40.37
